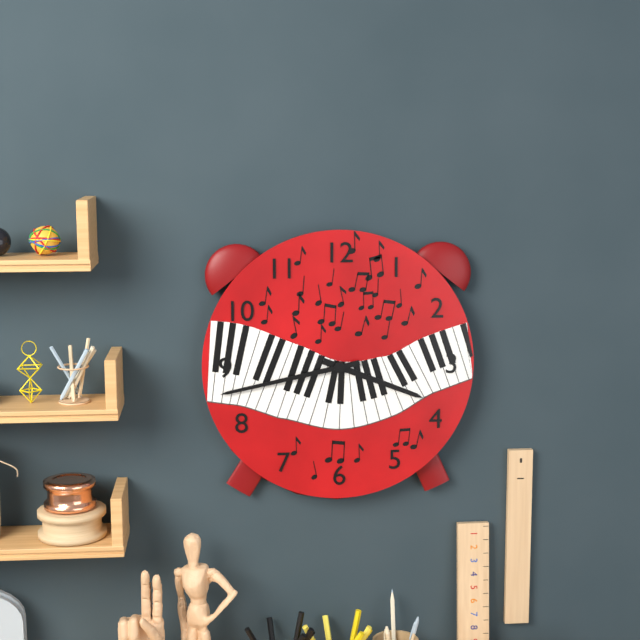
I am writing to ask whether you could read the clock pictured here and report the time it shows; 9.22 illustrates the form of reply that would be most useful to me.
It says 3.43
